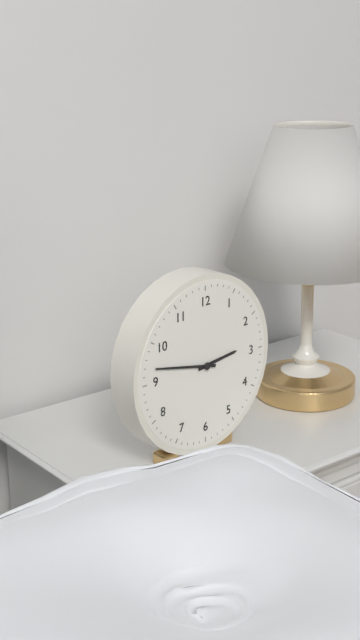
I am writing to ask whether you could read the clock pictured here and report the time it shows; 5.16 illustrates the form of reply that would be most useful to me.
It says 2.47
